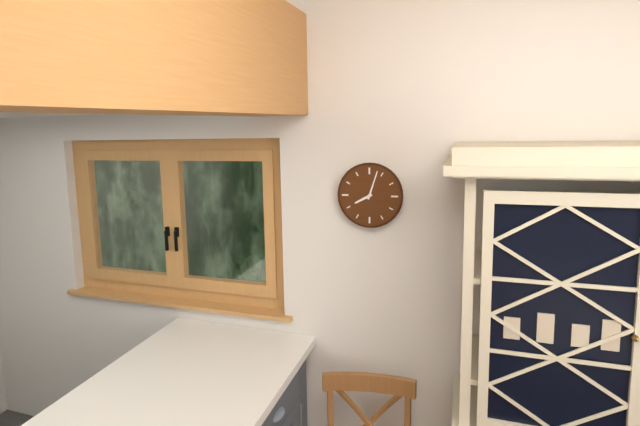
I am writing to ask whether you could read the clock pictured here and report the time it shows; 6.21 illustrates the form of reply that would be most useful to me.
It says 8.03
